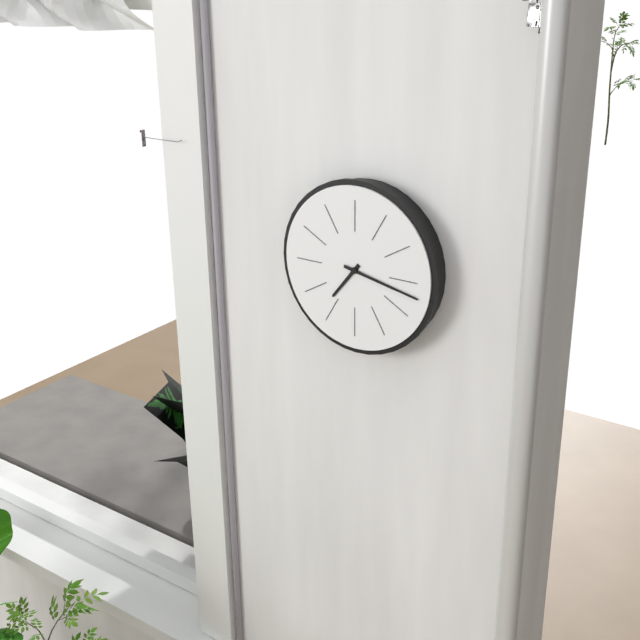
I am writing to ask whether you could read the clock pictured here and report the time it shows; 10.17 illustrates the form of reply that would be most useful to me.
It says 7.17
